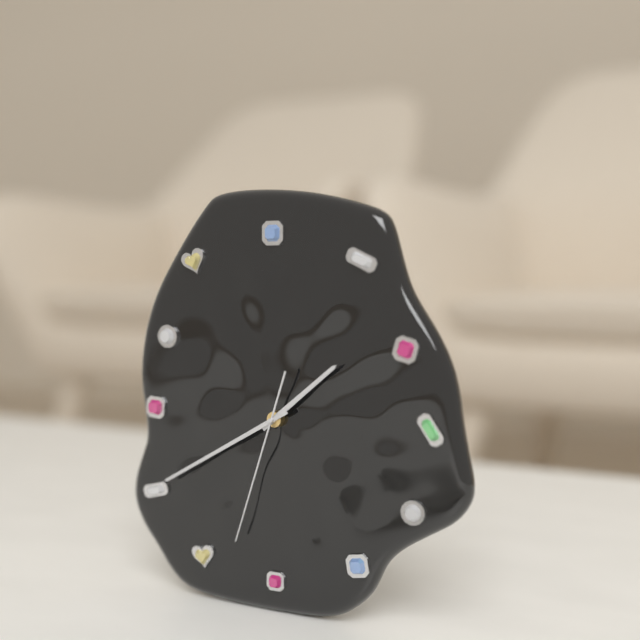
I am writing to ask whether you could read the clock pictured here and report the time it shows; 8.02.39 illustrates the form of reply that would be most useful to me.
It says 1.40.33
